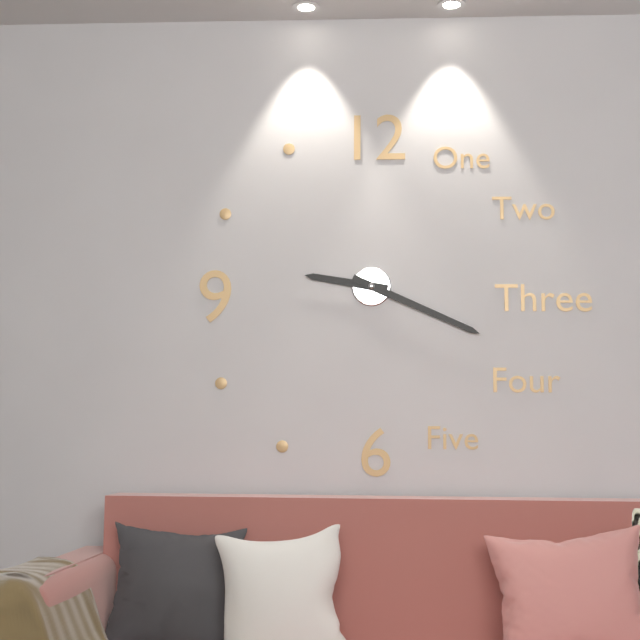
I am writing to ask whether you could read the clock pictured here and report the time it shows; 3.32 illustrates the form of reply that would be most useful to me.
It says 9.19
